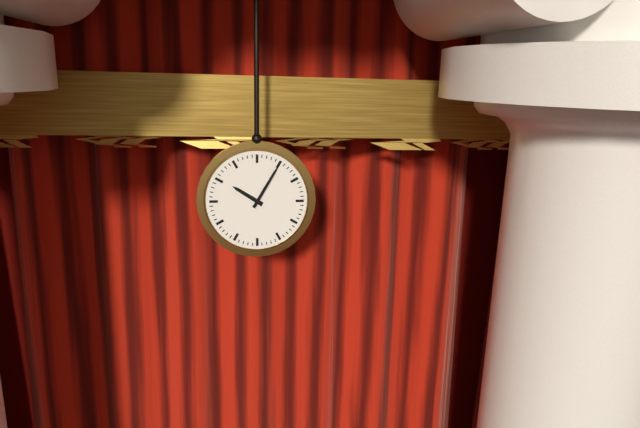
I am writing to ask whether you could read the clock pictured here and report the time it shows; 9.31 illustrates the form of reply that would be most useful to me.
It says 10.05
